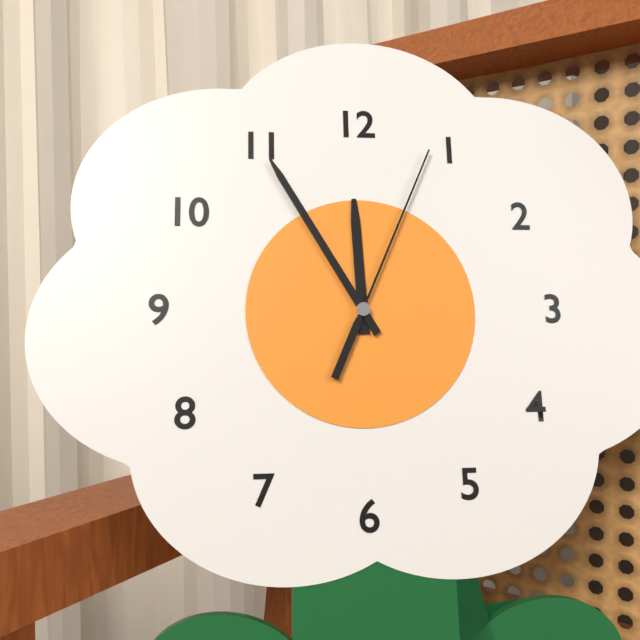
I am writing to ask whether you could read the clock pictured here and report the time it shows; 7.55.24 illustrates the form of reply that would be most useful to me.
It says 11.55.04
